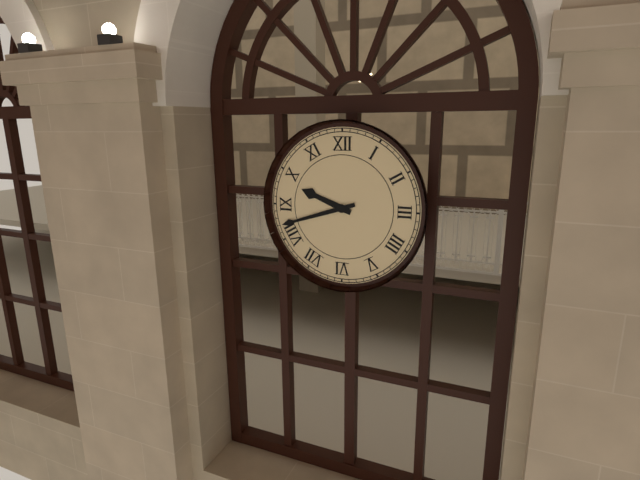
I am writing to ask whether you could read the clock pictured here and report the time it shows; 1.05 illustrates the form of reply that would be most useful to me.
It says 9.42
